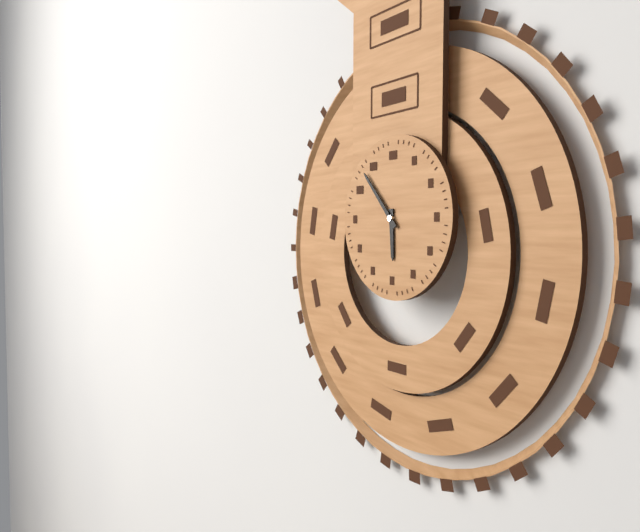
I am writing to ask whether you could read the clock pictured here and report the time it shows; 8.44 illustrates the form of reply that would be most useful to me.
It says 5.53
